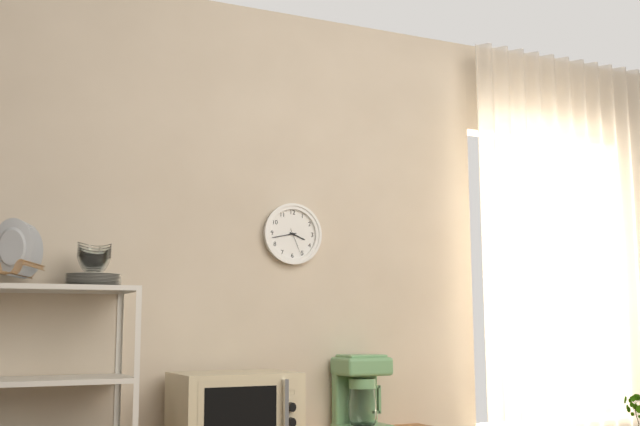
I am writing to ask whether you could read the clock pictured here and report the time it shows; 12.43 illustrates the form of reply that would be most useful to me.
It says 3.43
